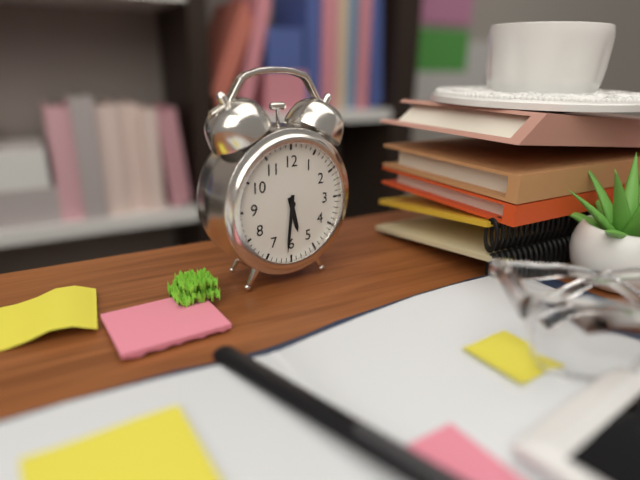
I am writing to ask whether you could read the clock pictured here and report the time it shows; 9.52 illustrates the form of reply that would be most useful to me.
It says 5.31
